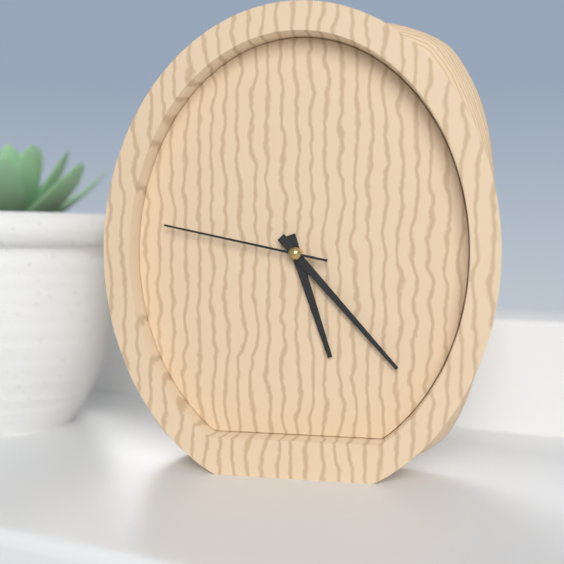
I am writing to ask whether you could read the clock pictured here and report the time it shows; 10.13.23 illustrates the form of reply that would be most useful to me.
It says 5.23.47
